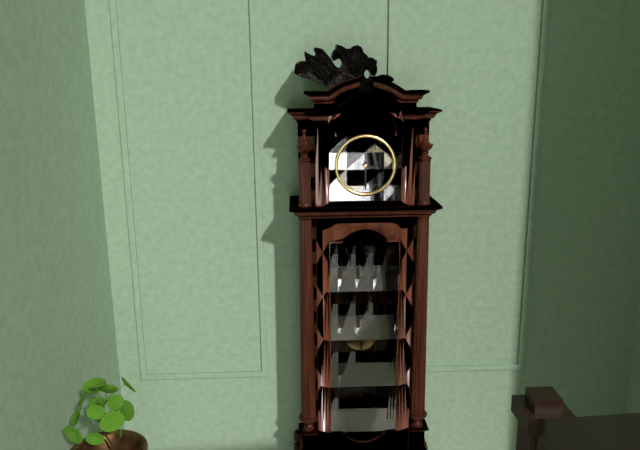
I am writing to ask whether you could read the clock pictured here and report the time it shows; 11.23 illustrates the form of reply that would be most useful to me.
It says 3.30
